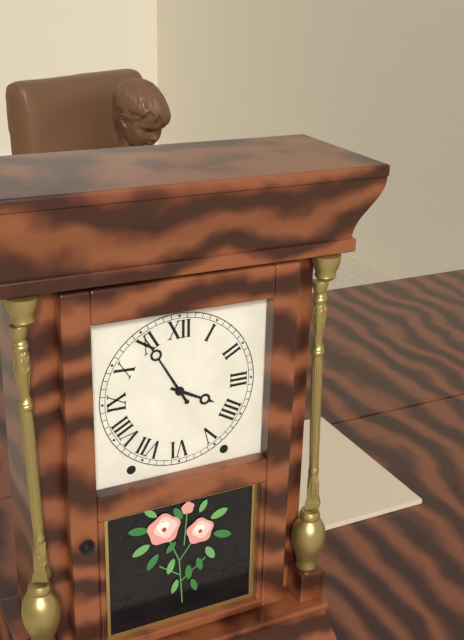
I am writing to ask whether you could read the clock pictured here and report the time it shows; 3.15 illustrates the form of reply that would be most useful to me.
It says 3.55
